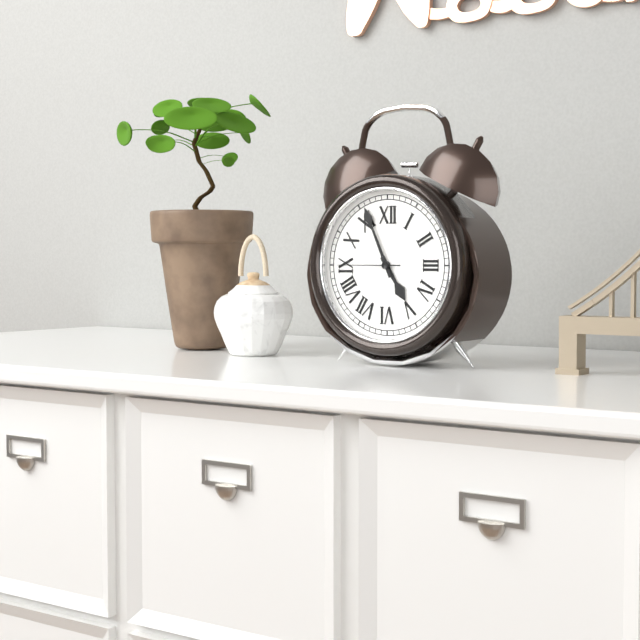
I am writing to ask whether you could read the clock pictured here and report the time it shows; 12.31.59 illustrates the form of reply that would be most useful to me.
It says 4.56.45
